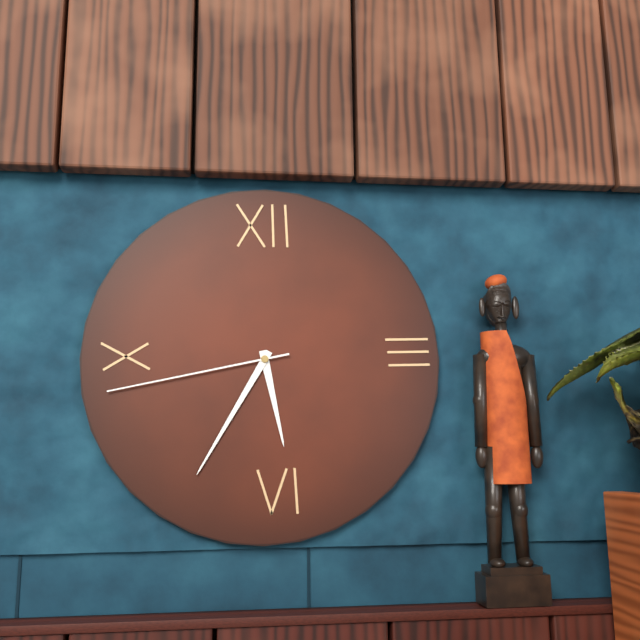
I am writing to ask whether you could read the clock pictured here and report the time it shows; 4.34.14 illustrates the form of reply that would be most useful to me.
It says 5.35.43
